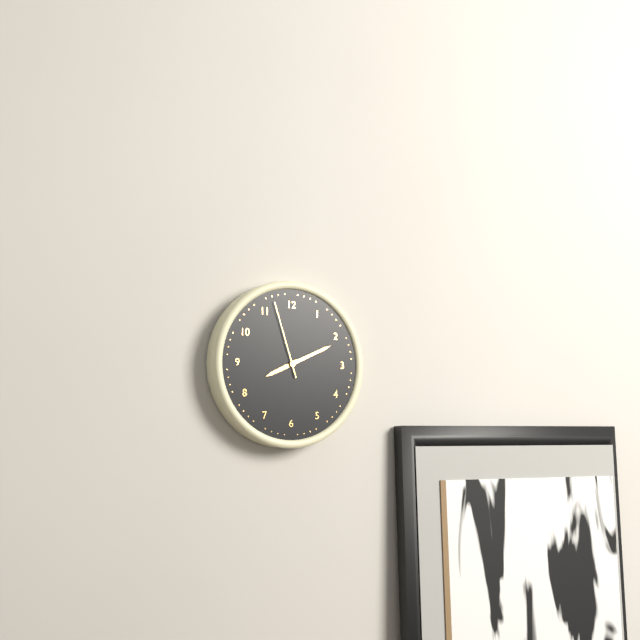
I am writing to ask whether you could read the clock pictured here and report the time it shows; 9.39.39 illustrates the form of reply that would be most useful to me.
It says 8.11.57
